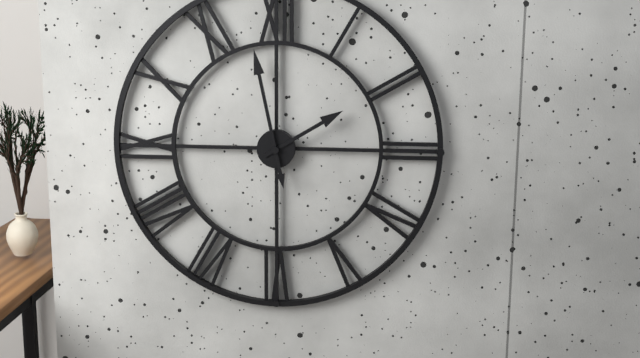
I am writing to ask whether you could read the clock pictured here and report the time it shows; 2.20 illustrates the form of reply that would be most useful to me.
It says 1.58
